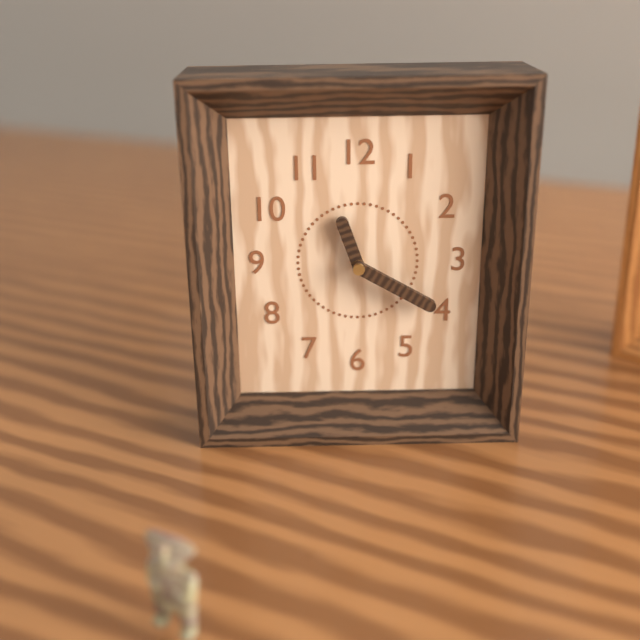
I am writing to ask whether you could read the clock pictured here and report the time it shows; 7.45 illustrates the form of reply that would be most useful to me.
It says 11.20
